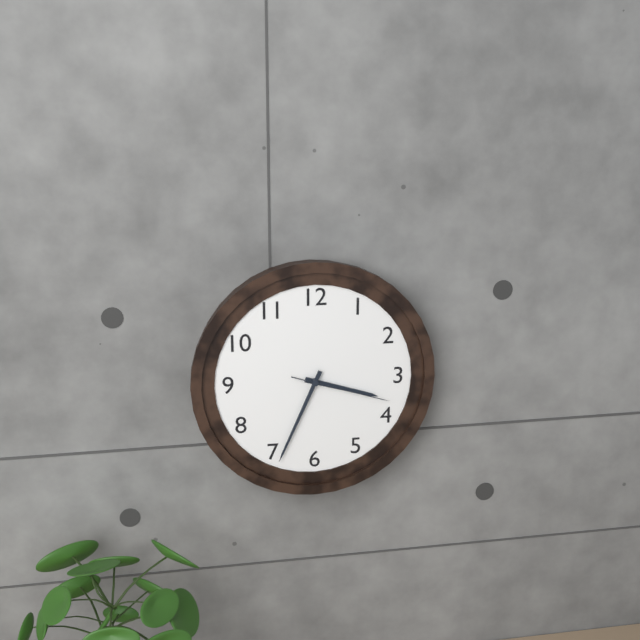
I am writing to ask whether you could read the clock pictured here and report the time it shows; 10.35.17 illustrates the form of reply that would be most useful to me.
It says 3.34.18
